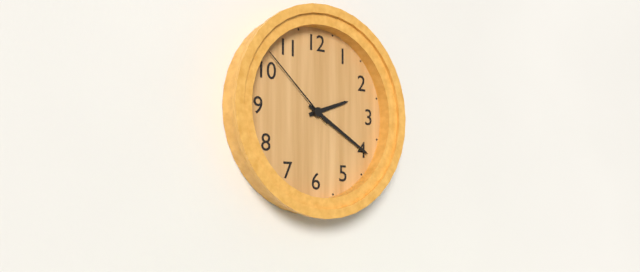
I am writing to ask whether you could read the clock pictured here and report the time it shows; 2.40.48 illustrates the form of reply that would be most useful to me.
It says 2.20.52
